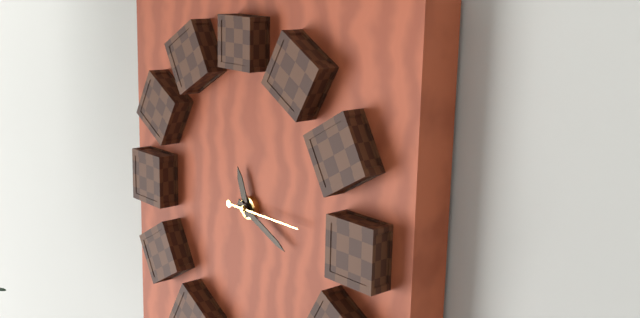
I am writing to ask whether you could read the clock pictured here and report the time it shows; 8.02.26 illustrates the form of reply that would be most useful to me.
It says 11.19.15
